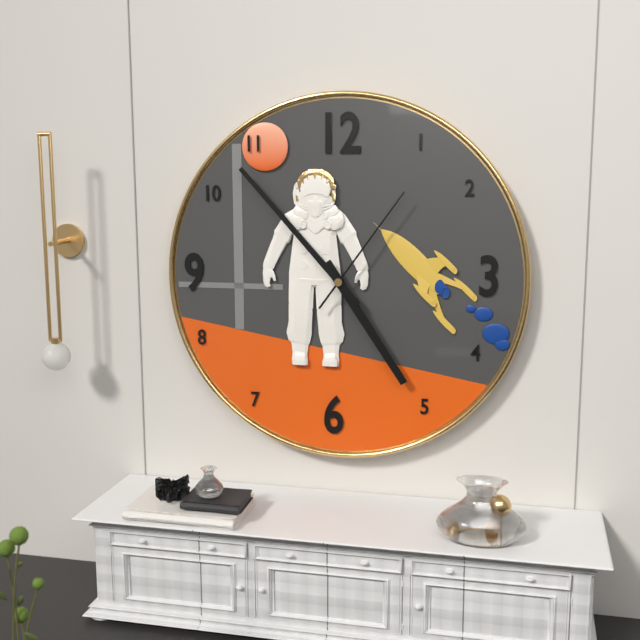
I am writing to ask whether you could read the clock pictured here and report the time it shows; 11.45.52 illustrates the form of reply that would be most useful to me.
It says 4.53.06
